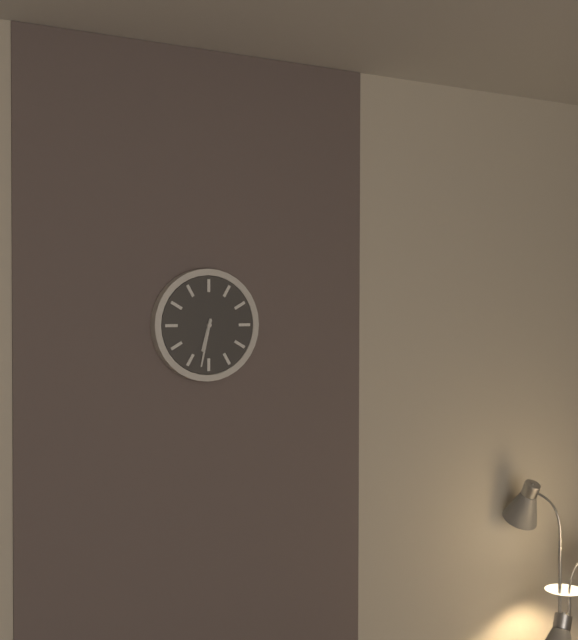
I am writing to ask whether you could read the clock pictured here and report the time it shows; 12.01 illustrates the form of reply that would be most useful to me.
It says 6.32
